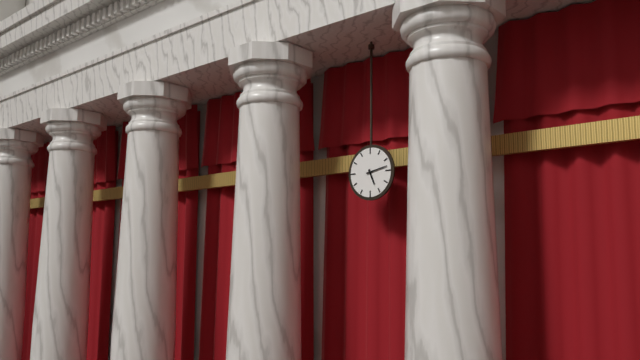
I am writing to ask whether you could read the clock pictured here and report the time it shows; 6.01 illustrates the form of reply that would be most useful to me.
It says 5.13
